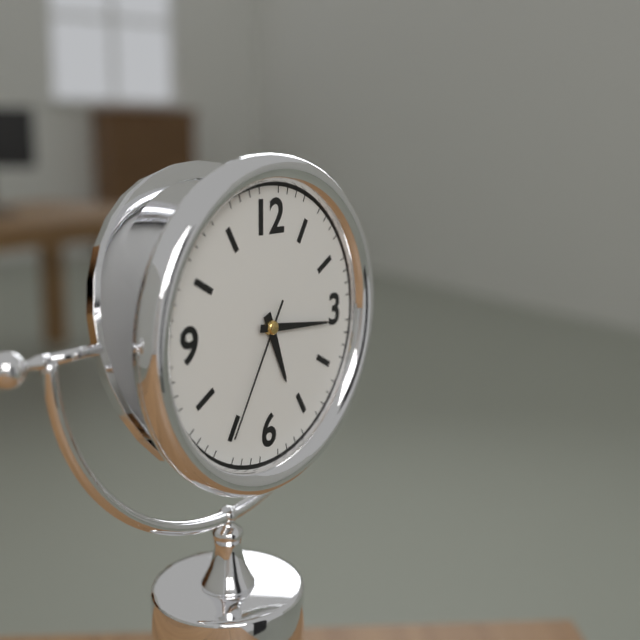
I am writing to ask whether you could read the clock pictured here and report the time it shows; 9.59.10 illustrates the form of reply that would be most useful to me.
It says 5.16.35
